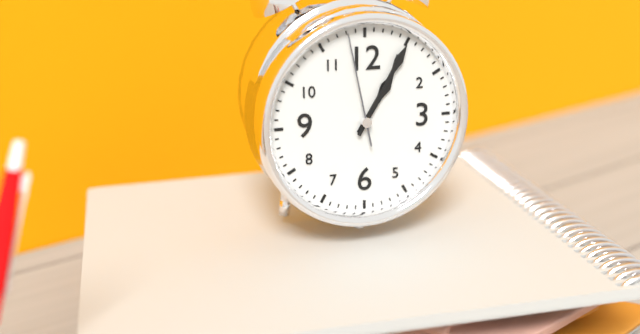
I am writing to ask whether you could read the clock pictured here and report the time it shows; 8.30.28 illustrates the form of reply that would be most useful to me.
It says 1.05.58
